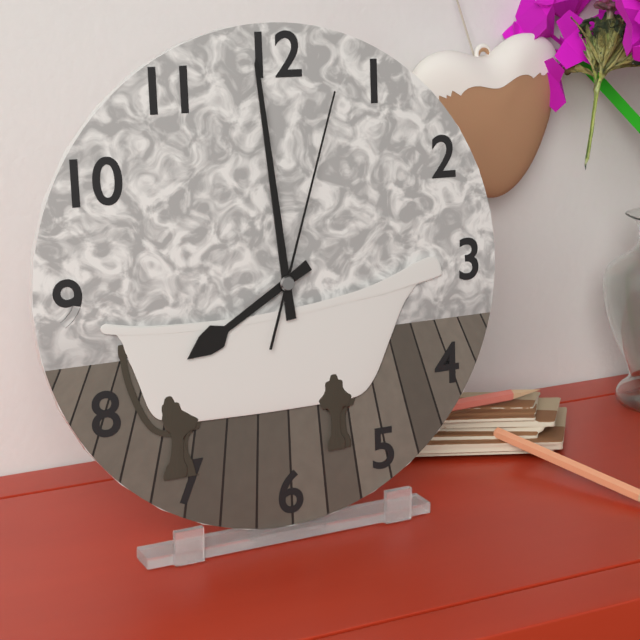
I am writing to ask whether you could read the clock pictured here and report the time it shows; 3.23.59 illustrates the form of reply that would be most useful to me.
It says 7.59.03
